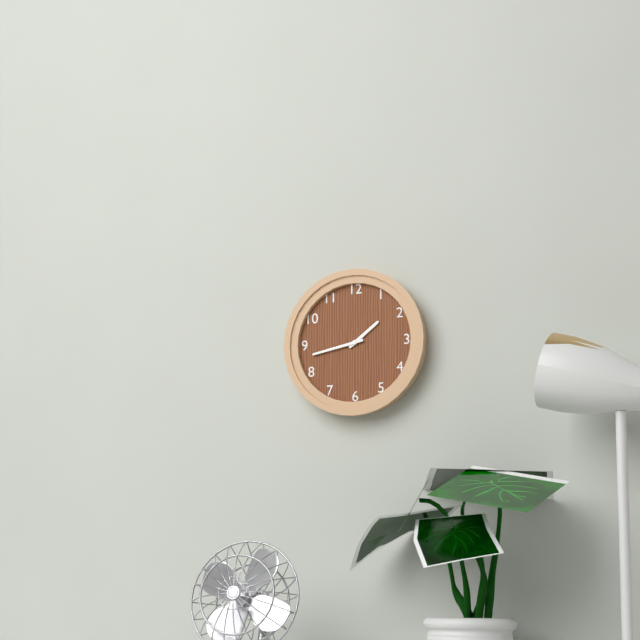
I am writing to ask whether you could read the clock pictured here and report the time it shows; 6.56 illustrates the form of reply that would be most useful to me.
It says 1.43
